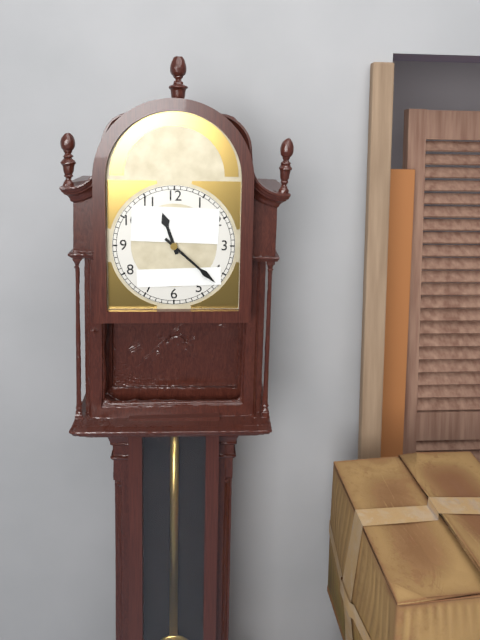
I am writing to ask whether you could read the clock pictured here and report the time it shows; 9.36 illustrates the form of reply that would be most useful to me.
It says 11.22
